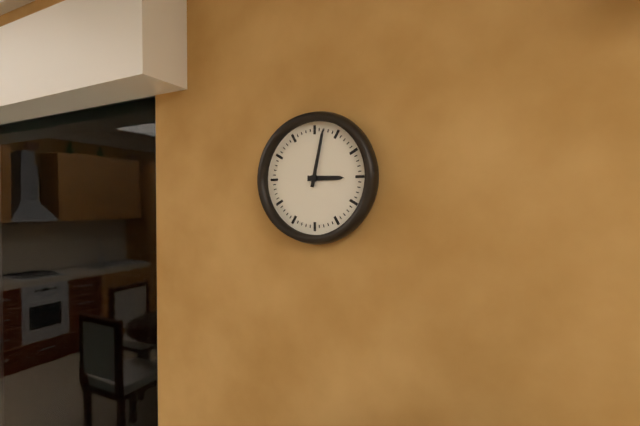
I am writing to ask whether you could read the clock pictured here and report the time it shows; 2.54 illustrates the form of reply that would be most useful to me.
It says 3.02
